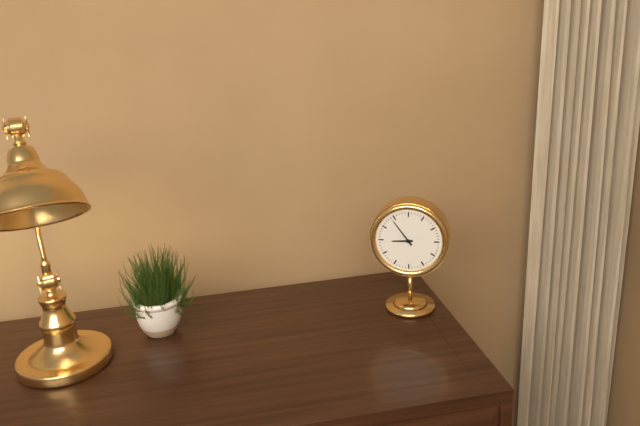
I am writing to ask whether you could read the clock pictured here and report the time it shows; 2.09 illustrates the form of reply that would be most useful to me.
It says 8.54
